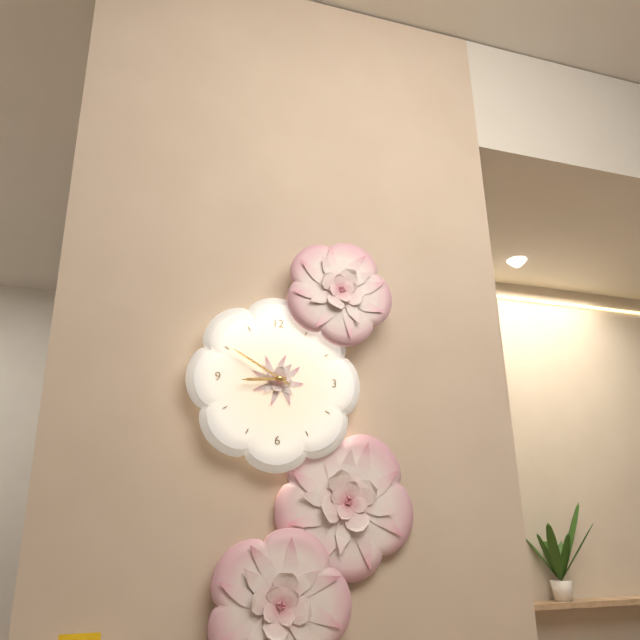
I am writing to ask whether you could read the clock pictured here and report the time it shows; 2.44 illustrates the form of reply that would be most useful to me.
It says 8.50
